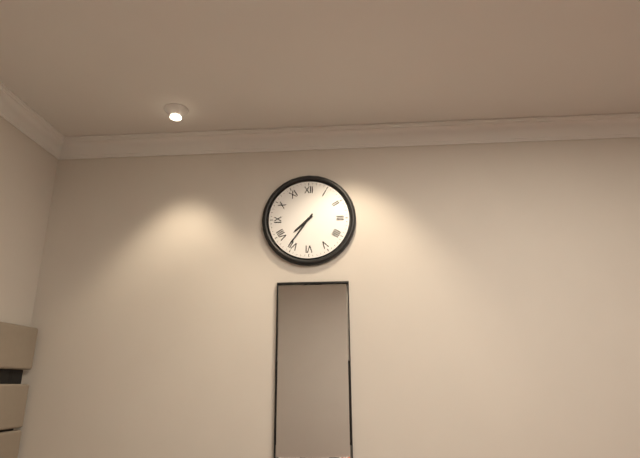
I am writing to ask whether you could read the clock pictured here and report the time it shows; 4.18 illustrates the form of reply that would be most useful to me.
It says 7.36
